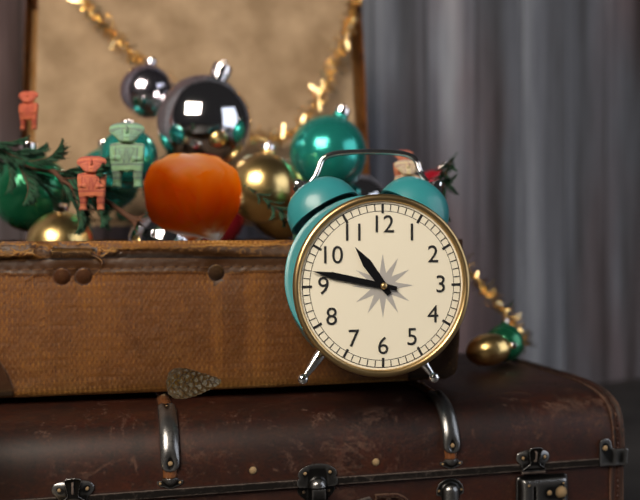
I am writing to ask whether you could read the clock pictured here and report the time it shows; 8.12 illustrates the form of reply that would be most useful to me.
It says 10.47
